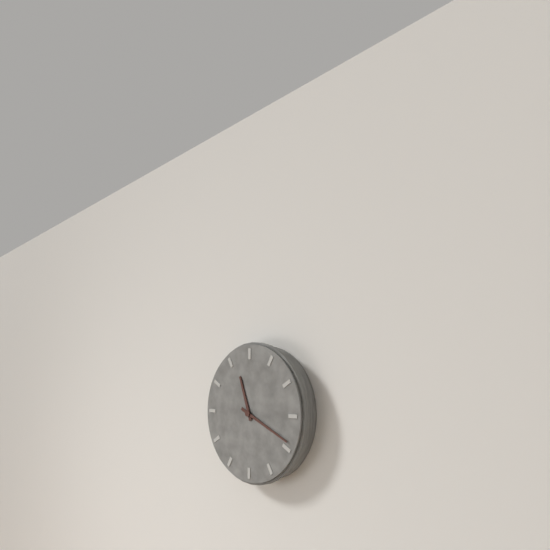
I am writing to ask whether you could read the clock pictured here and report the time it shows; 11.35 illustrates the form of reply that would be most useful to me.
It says 11.19
